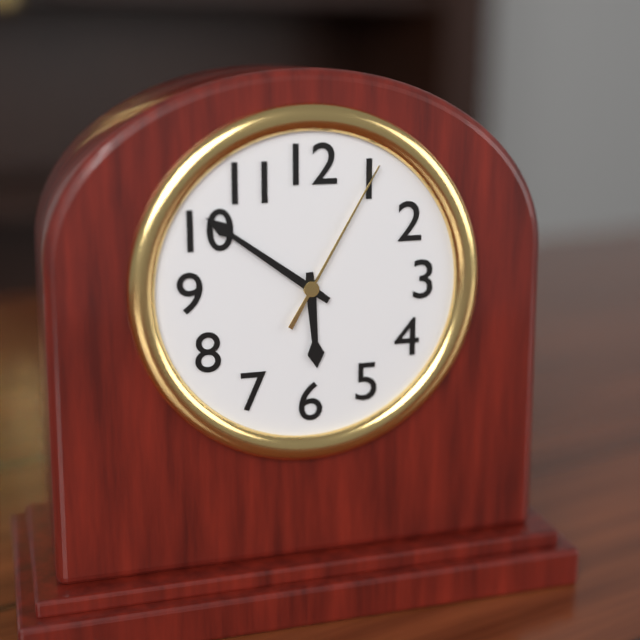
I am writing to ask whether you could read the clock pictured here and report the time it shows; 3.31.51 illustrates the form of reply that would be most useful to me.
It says 5.51.05
